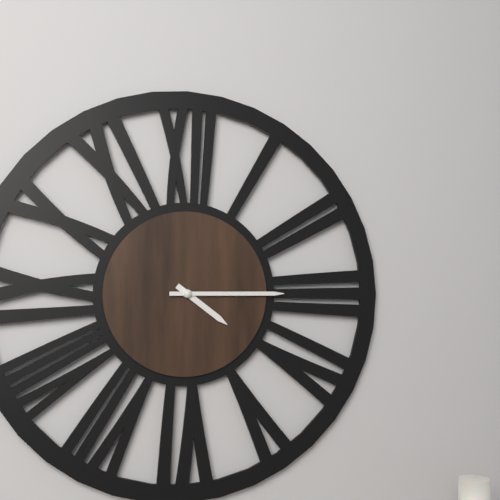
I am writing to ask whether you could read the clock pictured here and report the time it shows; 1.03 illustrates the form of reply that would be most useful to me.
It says 4.15
